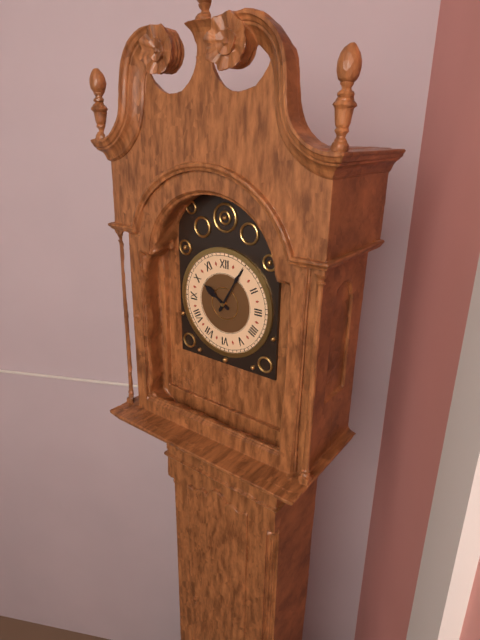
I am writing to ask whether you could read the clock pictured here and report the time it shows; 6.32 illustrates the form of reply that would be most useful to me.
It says 10.05
